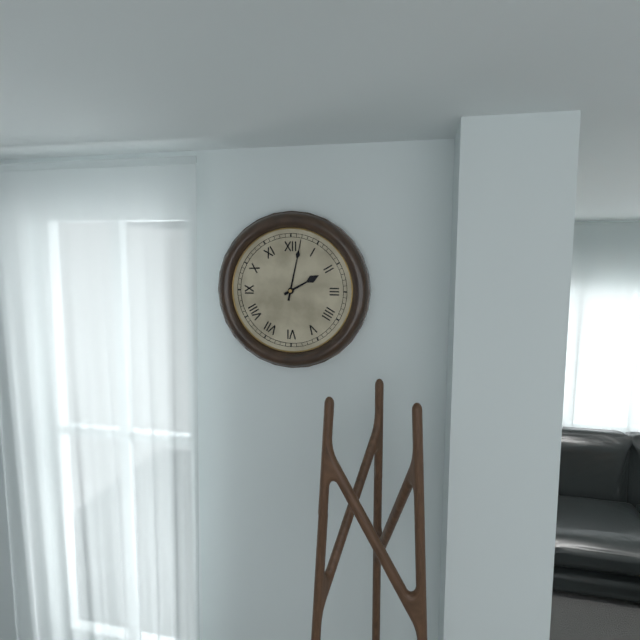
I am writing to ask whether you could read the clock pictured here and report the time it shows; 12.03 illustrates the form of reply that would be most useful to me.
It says 2.02
